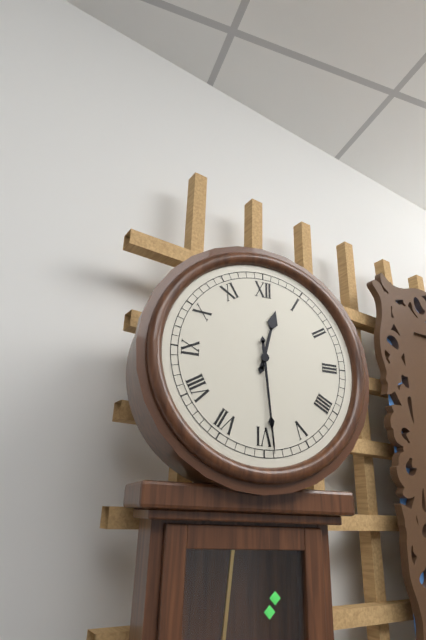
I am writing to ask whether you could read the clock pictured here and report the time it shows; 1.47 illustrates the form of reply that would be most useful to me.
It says 12.29
